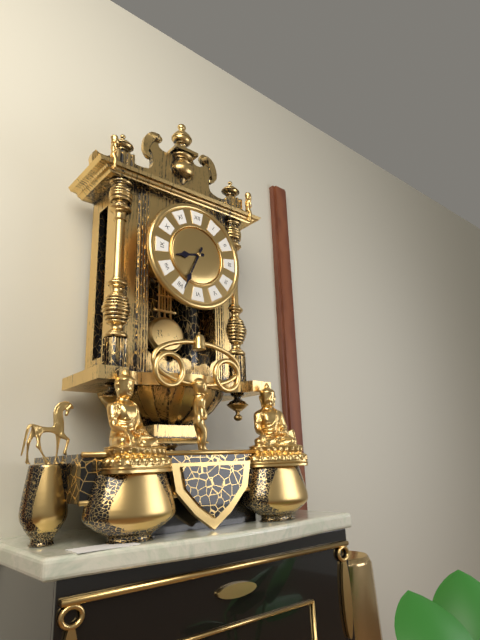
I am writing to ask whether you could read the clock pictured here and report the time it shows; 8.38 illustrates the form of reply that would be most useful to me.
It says 8.34
